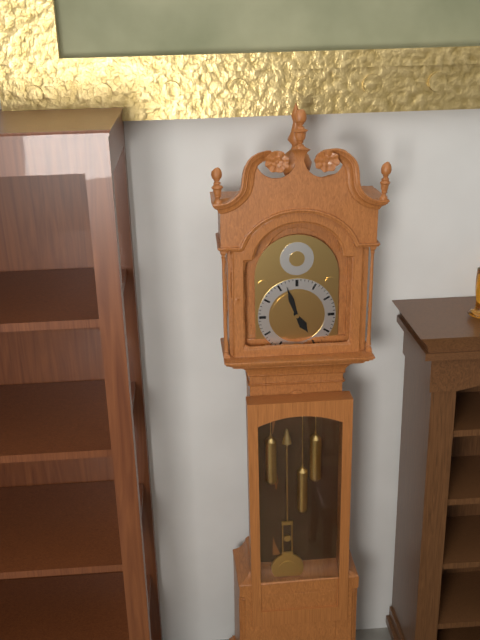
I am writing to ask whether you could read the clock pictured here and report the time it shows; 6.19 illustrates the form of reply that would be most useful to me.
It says 4.57
